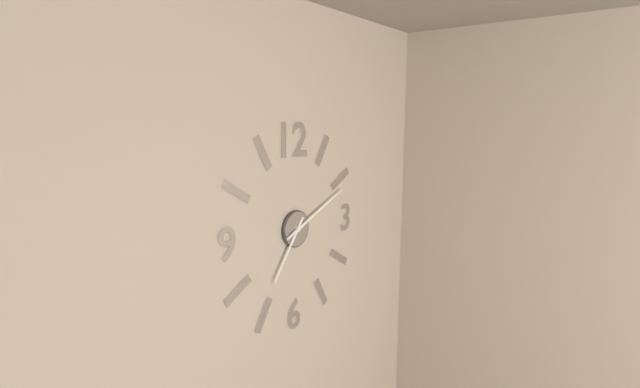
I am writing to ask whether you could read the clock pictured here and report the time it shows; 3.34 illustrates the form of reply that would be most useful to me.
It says 7.11
